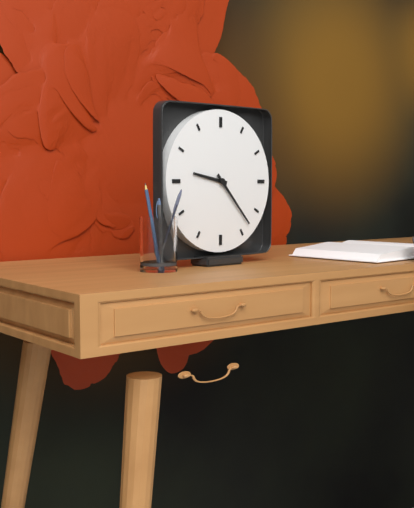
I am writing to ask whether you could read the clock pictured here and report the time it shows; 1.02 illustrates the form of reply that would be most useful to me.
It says 9.23
